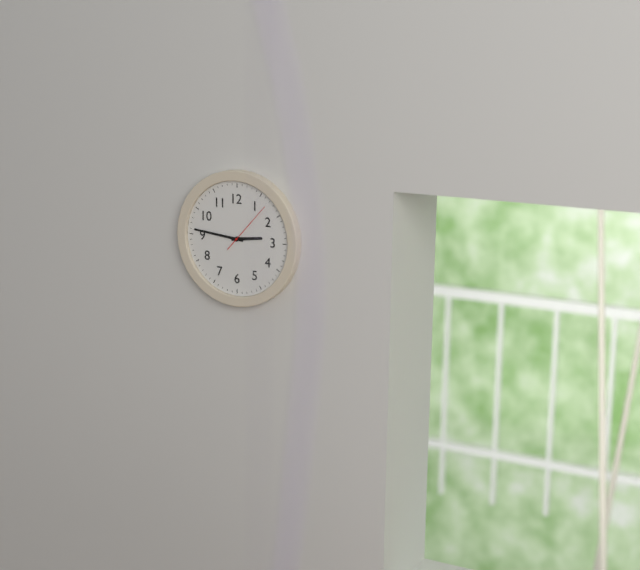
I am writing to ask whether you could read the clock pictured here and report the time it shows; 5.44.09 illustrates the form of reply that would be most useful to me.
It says 2.46.07
